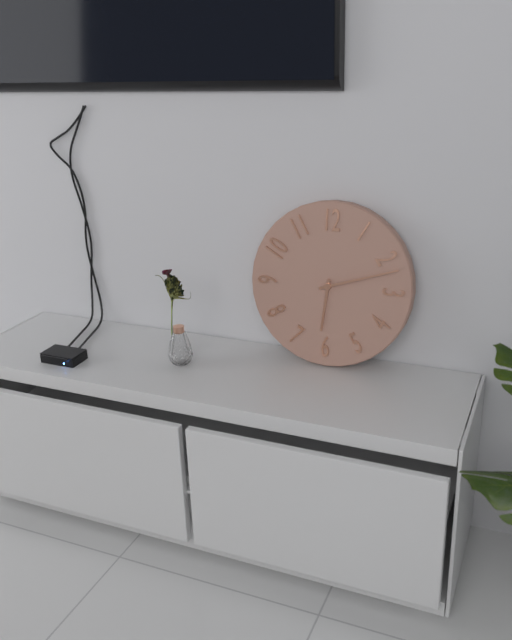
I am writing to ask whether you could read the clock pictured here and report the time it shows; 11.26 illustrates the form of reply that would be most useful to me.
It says 6.12
